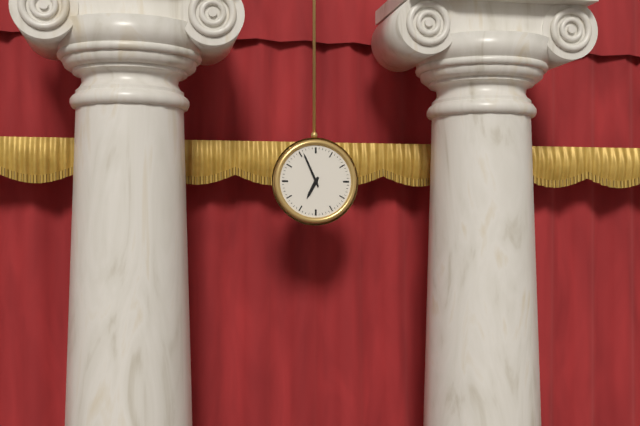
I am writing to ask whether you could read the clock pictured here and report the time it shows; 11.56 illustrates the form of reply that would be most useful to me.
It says 6.56
